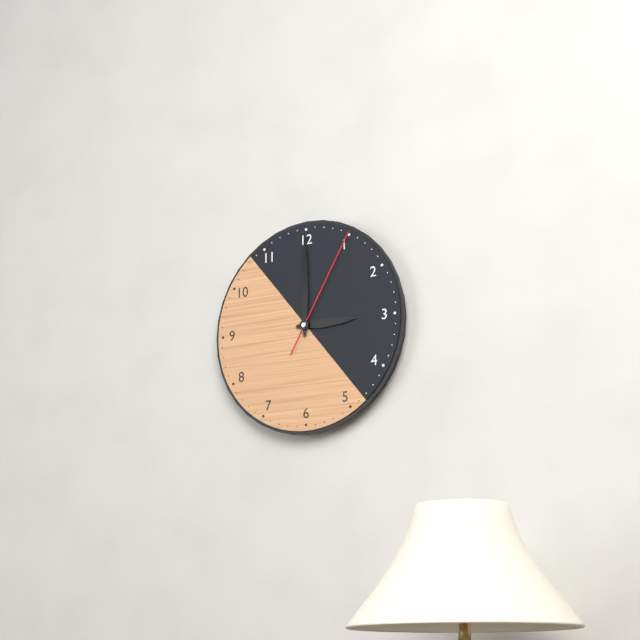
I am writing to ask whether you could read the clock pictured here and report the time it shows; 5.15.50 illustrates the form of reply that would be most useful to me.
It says 3.00.05
